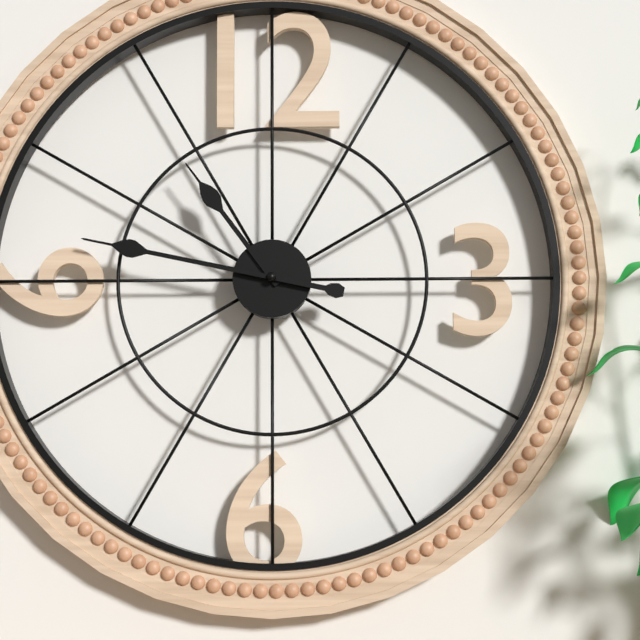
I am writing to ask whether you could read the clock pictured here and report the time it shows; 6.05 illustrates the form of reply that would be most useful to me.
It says 10.47
